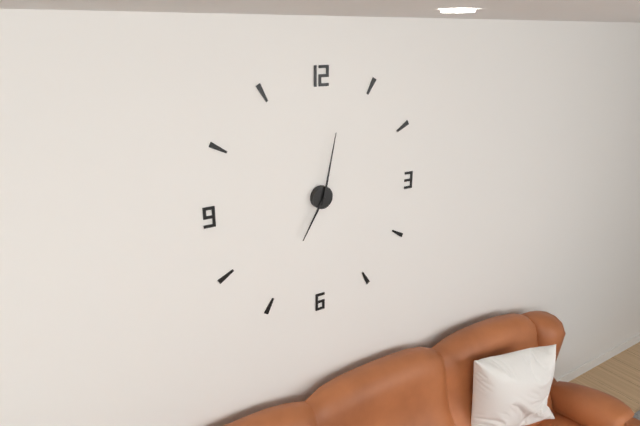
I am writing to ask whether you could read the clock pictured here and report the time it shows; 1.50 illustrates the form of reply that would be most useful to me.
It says 7.02
